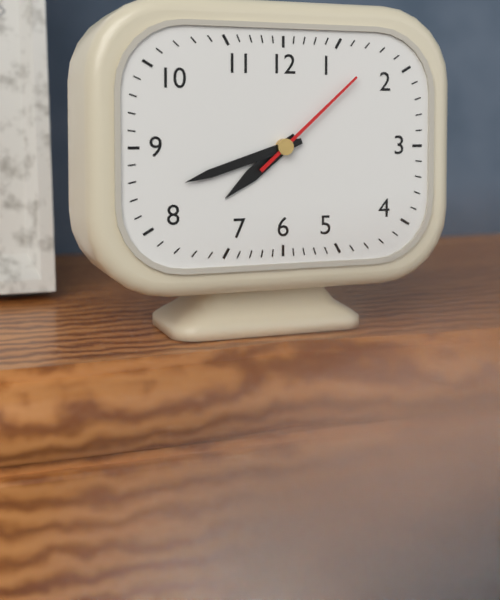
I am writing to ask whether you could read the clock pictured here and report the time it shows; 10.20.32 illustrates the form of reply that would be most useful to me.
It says 7.42.08
